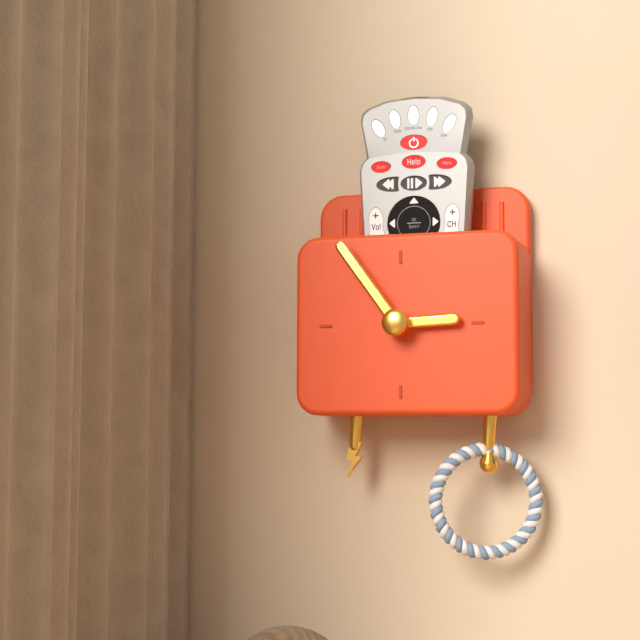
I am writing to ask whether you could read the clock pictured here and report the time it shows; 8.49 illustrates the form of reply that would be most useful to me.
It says 2.54
